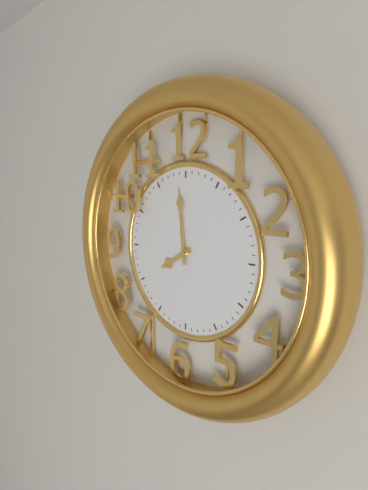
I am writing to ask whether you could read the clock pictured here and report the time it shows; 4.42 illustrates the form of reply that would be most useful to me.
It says 7.59
